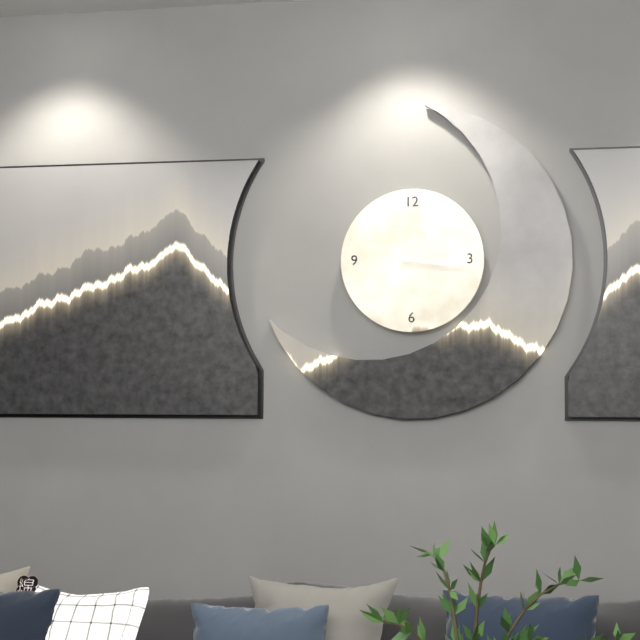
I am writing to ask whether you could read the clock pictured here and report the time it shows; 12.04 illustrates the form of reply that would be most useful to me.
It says 3.16
